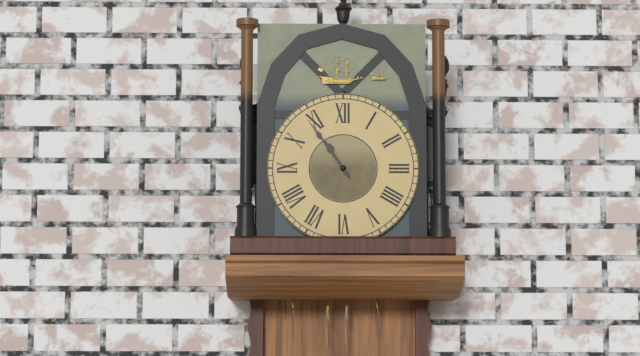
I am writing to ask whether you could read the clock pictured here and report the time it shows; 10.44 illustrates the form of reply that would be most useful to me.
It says 10.54
